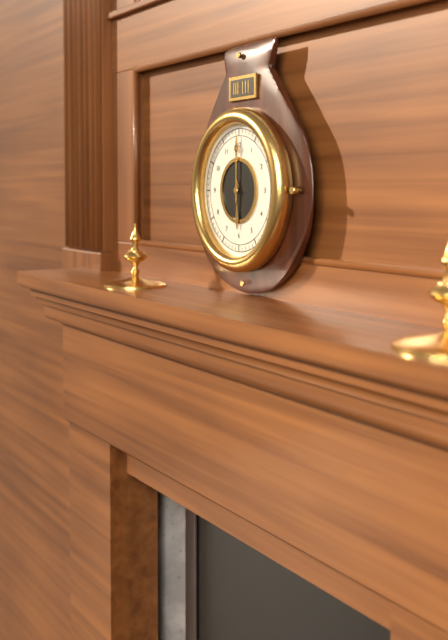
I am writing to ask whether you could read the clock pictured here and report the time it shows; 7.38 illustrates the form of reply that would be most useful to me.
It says 6.00
